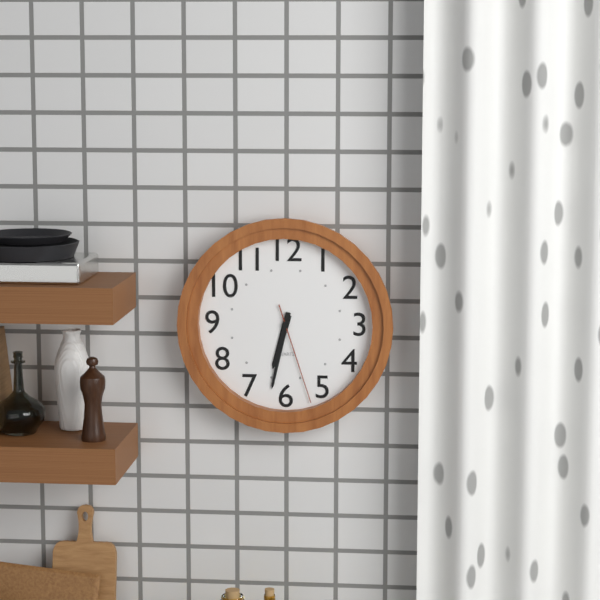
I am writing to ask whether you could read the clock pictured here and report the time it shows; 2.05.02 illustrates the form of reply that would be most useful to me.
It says 6.32.27
